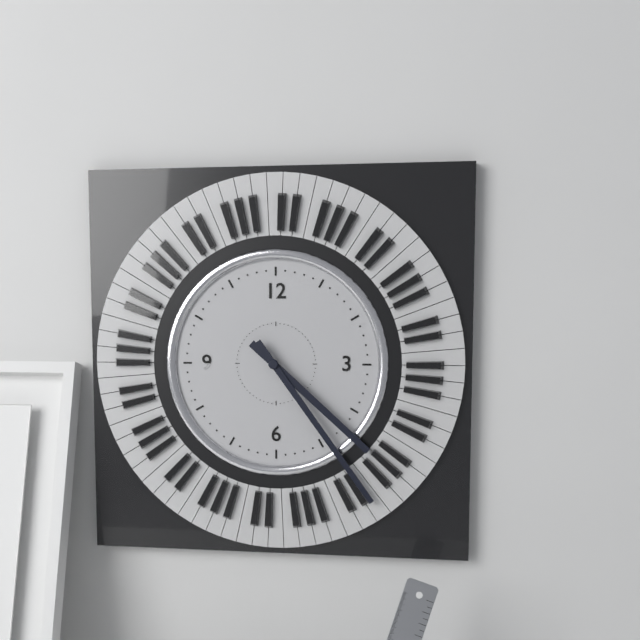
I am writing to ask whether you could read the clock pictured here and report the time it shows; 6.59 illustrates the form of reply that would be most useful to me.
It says 4.24
